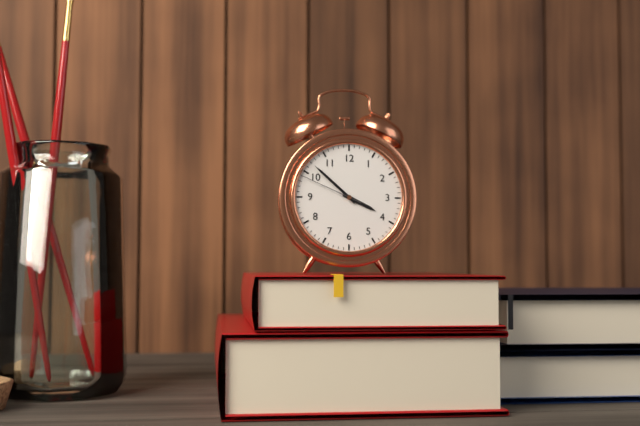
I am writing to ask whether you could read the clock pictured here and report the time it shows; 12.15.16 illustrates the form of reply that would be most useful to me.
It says 3.52.49
